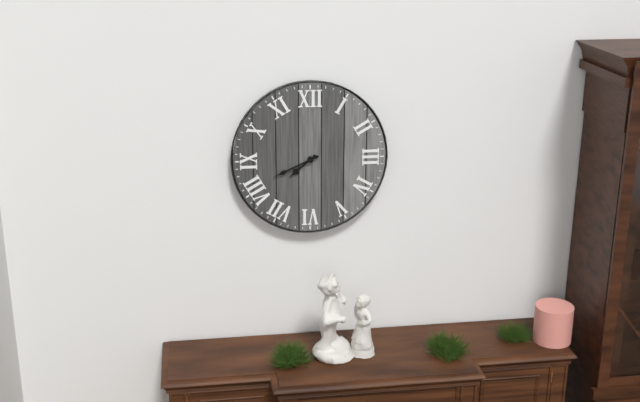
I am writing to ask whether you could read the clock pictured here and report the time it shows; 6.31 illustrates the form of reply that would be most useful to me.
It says 7.41
